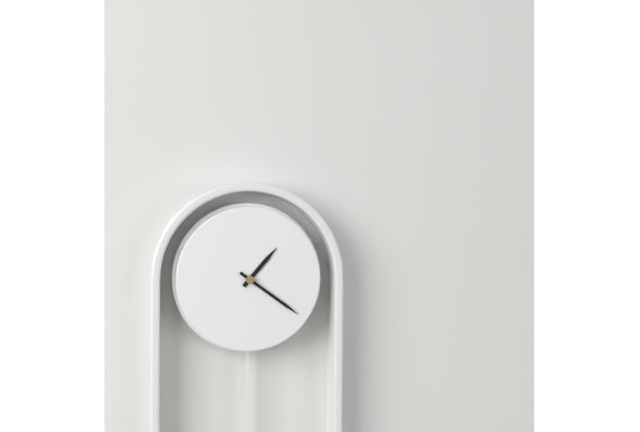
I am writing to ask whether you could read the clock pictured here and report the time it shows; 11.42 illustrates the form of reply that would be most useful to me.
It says 1.21
